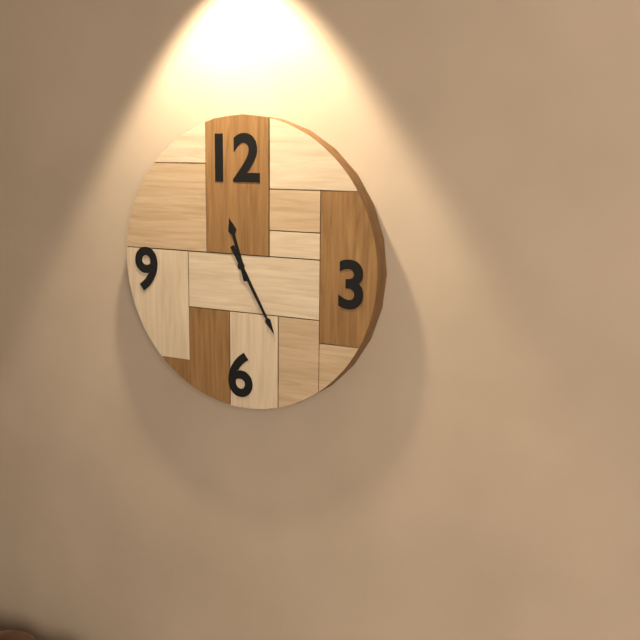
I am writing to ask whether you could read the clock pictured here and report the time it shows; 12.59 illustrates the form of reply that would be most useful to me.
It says 11.25
